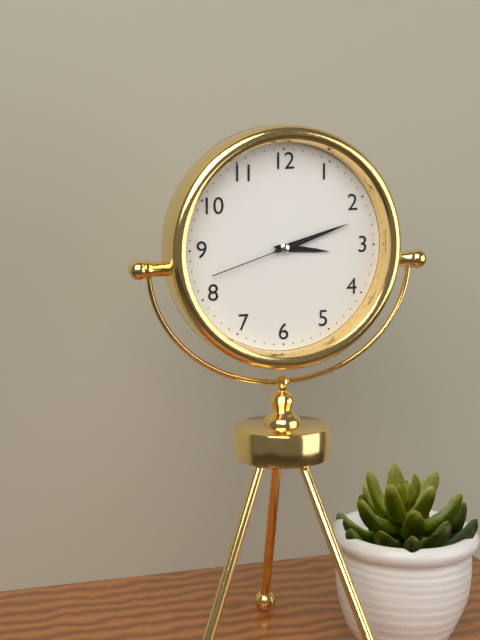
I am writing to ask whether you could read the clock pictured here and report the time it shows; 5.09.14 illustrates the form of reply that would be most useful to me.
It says 3.12.42
